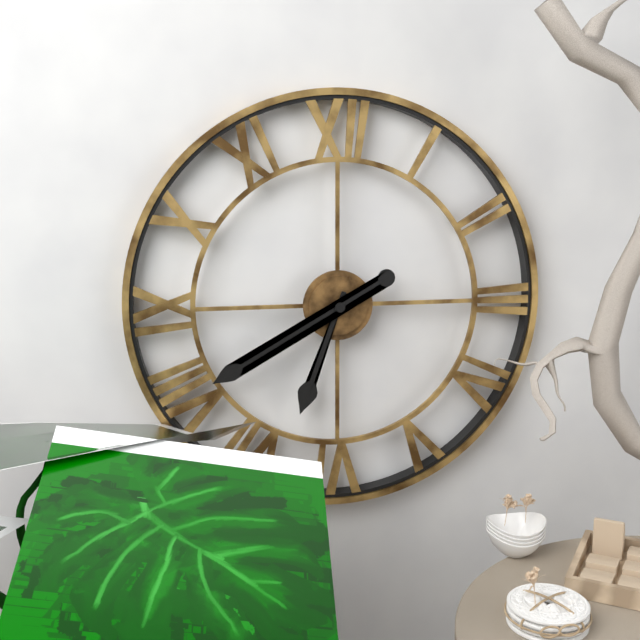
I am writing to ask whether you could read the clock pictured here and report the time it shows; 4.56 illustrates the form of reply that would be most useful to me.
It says 6.40
